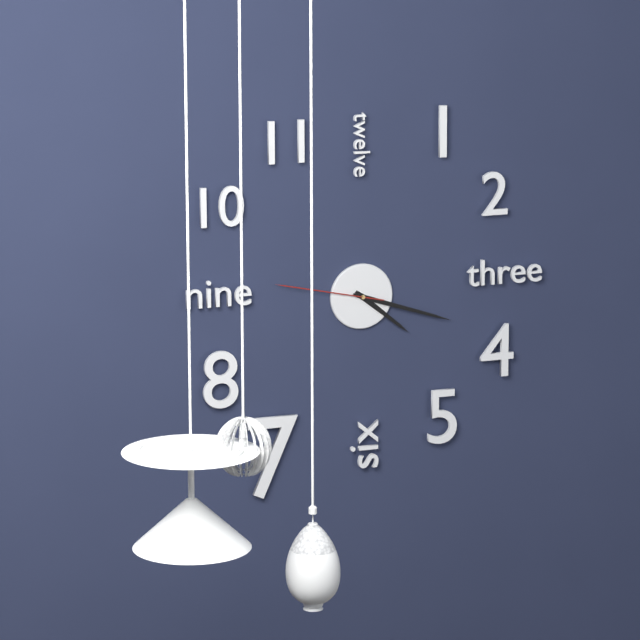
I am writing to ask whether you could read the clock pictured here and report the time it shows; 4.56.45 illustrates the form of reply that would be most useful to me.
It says 4.18.47
